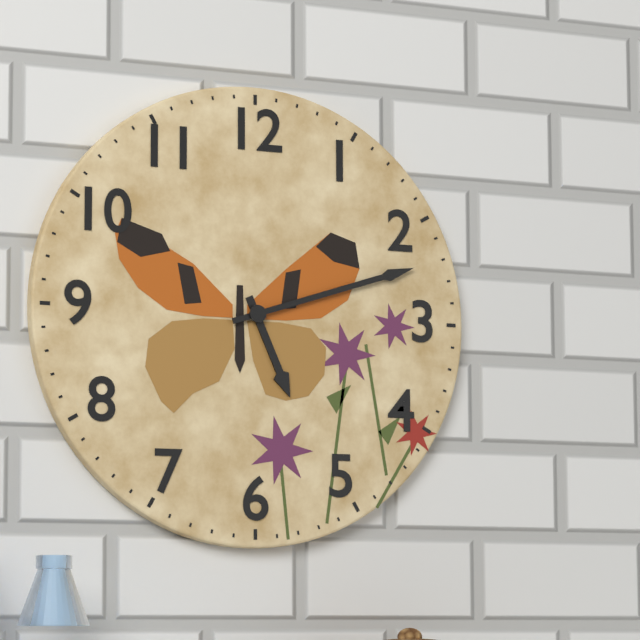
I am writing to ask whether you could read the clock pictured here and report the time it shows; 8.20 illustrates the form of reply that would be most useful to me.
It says 5.12
